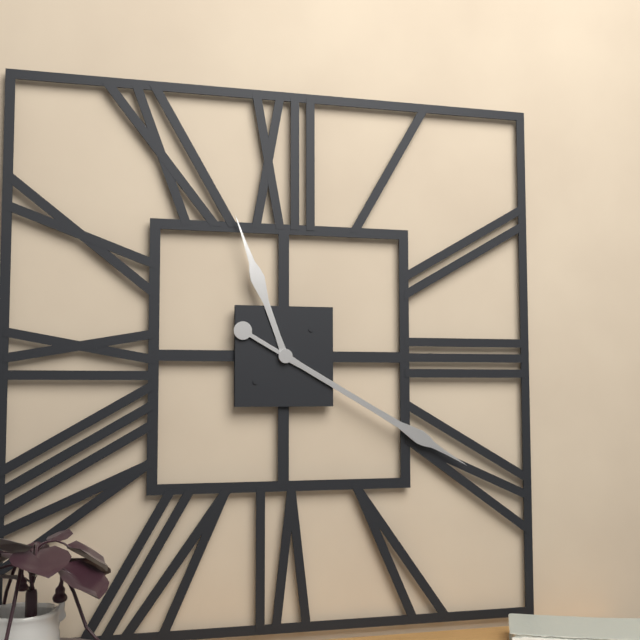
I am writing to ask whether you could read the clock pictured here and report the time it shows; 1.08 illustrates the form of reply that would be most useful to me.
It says 11.20
